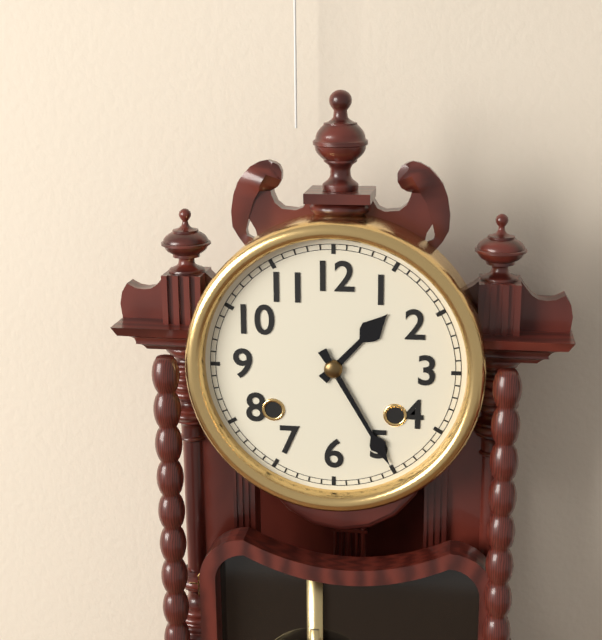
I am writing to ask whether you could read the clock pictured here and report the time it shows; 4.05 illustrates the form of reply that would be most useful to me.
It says 1.25
